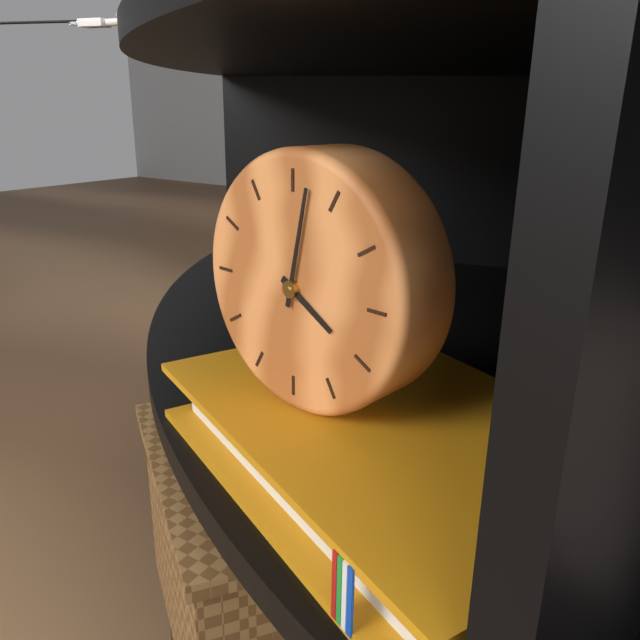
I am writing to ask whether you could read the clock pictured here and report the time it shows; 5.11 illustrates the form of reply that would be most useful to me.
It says 4.02
